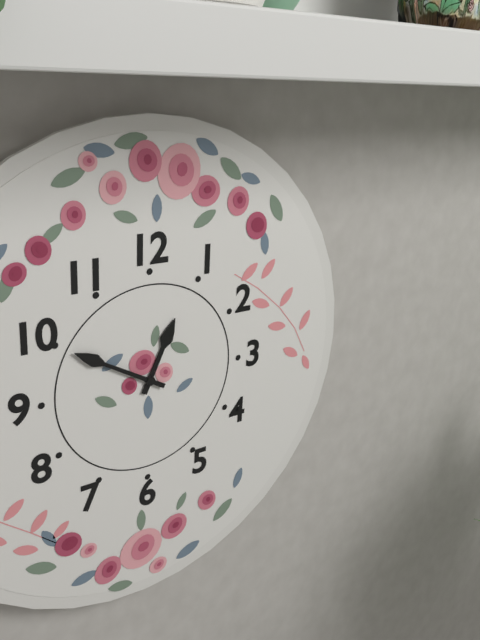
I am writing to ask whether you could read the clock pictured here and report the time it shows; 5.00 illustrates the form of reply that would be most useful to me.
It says 12.50
